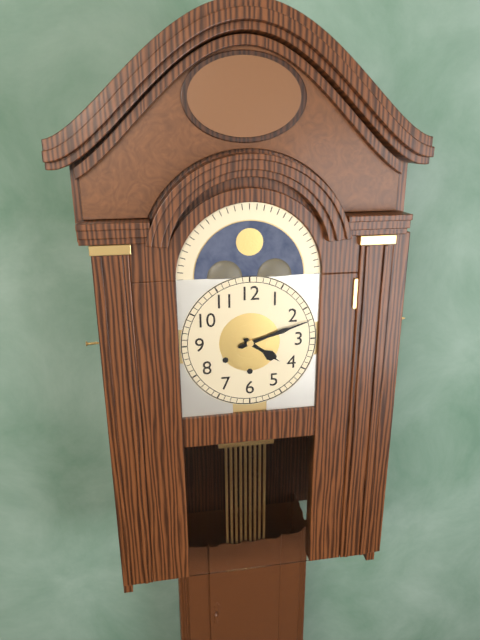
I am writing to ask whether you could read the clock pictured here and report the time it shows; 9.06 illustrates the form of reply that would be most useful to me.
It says 4.12
